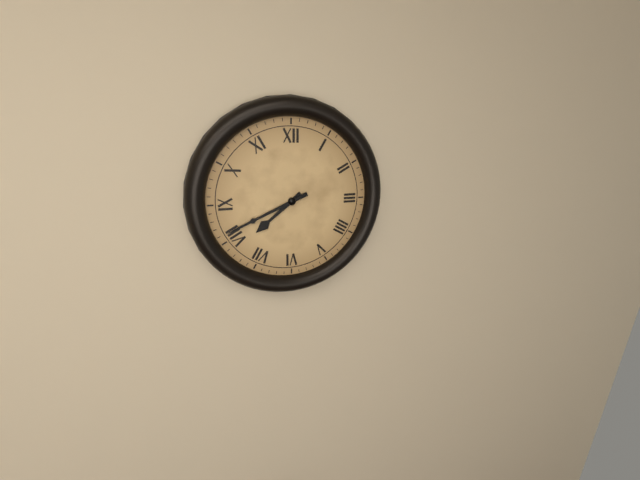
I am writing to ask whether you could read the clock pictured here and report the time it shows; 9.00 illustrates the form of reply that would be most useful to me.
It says 7.41
